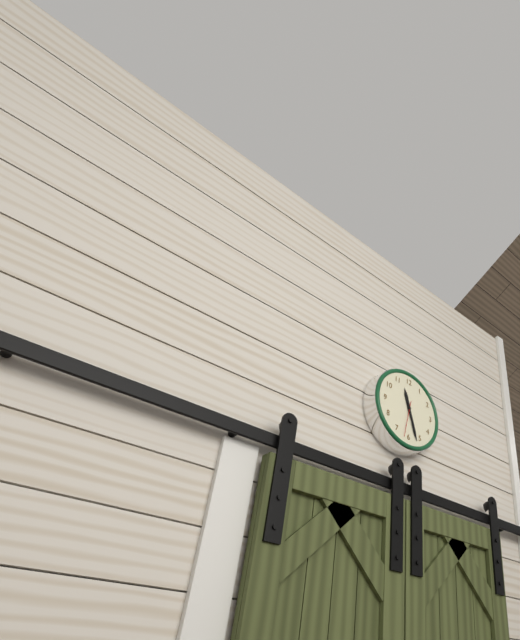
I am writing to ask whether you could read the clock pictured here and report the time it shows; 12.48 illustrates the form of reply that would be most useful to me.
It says 11.27
